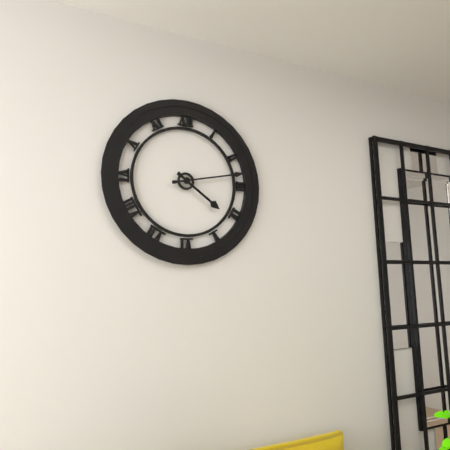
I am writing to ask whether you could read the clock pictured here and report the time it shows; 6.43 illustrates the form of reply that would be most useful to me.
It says 4.13
